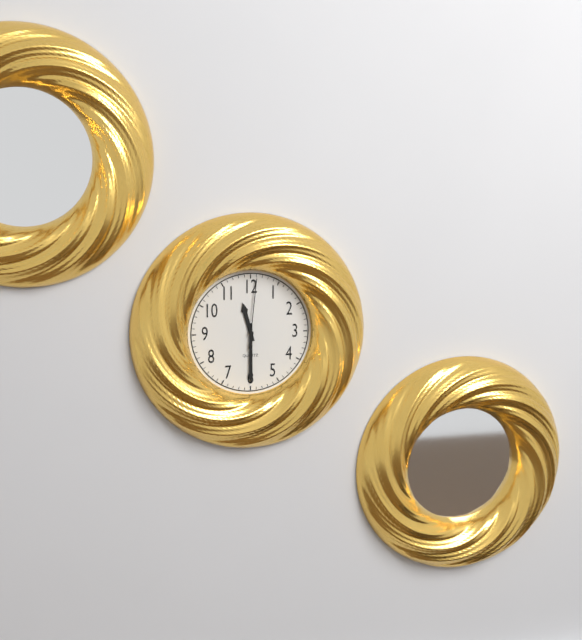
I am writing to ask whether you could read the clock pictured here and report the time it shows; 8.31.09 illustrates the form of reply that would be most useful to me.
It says 11.30.01
